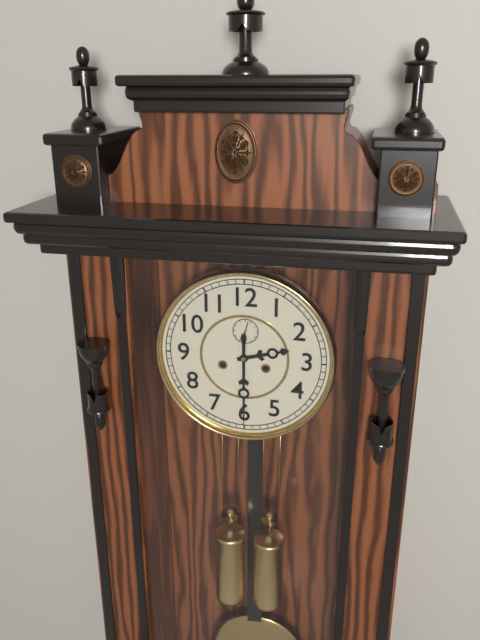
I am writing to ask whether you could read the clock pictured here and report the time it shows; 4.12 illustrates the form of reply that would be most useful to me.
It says 2.30
